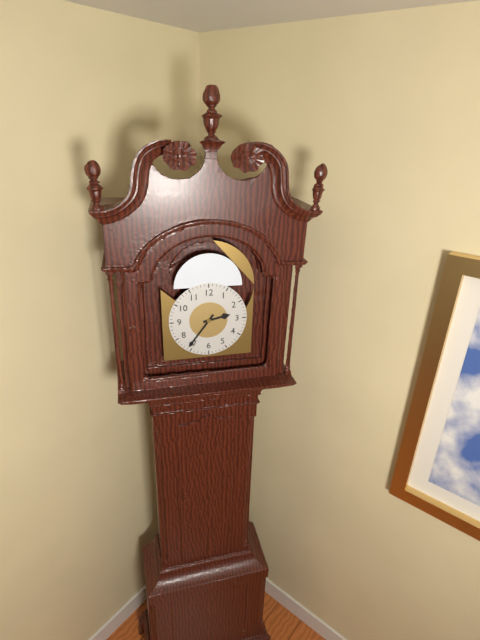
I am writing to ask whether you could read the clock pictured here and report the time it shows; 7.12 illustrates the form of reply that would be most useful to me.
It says 2.36
